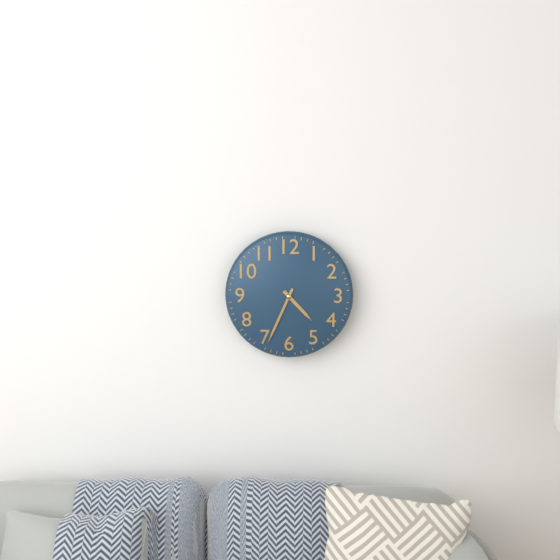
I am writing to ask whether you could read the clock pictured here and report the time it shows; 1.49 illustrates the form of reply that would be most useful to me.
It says 4.34
